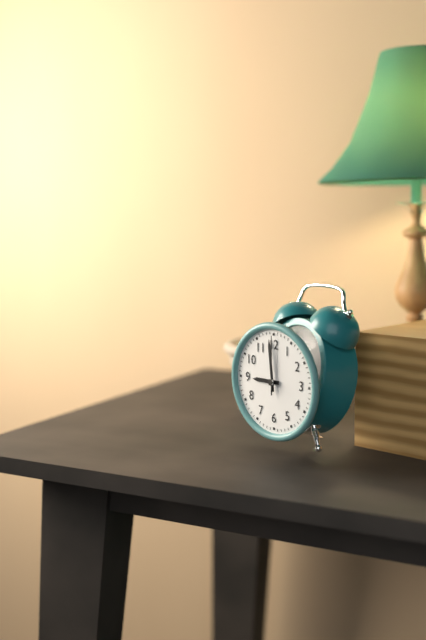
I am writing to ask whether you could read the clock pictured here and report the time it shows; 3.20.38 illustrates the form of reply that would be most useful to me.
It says 8.59.00
